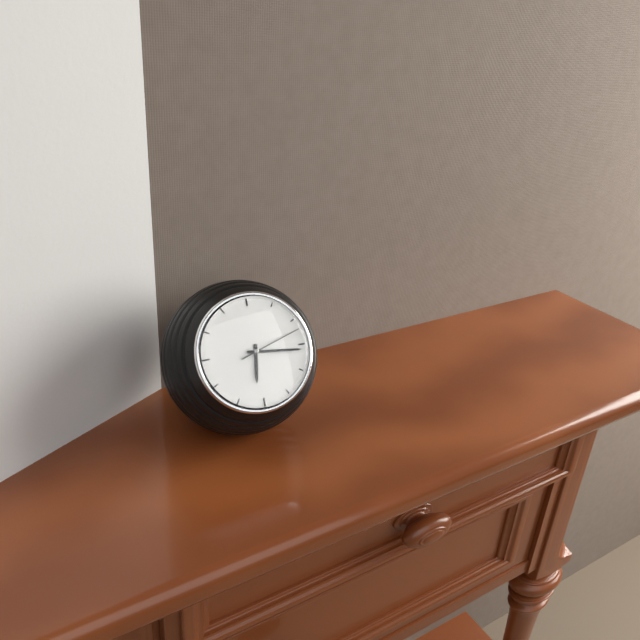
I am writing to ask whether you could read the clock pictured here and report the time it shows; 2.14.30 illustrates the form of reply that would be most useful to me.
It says 6.16.12
